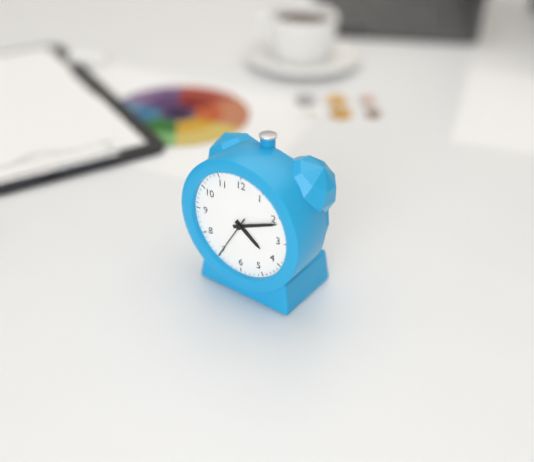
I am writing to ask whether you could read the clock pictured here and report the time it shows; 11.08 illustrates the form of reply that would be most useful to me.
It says 4.11
